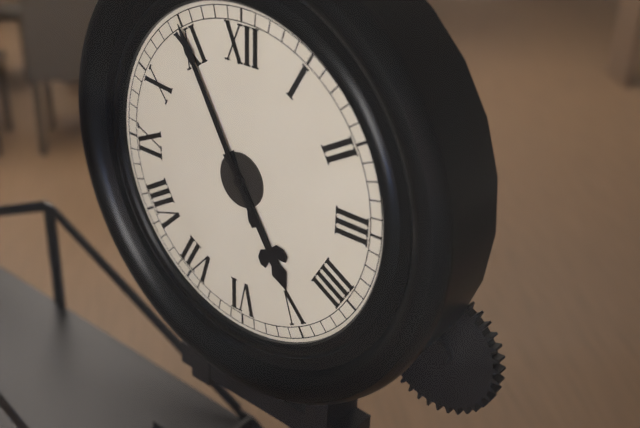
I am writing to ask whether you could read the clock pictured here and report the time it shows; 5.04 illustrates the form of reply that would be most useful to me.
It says 4.55
